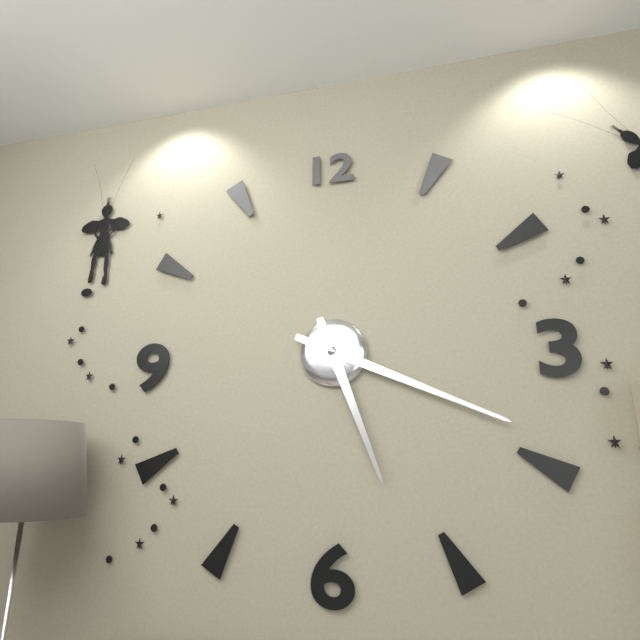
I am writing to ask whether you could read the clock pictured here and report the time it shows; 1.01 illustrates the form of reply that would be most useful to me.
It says 5.19
